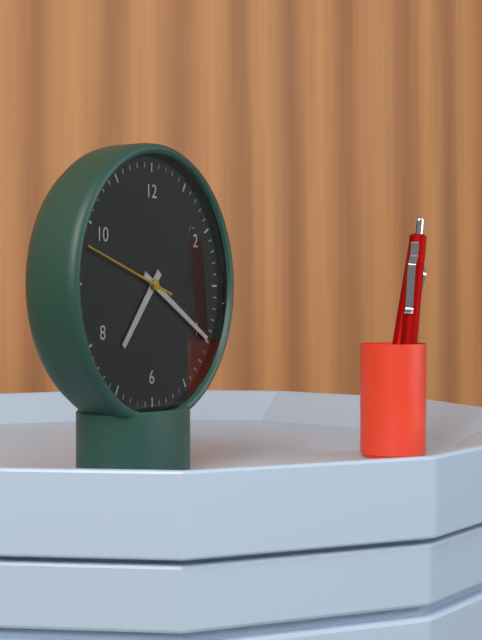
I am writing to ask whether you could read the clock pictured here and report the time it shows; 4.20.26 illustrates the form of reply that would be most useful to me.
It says 7.20.48
